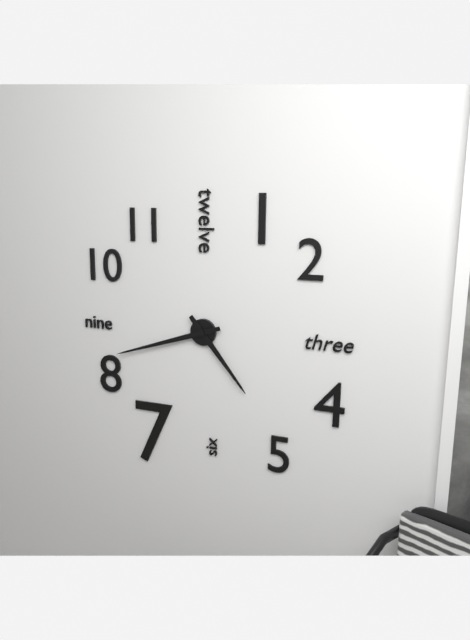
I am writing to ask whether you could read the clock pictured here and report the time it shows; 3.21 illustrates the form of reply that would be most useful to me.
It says 4.42
